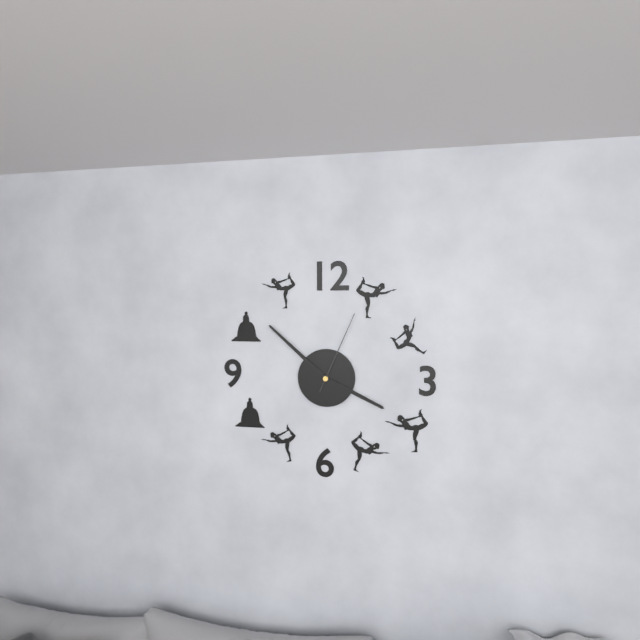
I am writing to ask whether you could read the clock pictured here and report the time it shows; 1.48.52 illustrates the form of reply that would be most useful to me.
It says 3.52.04
